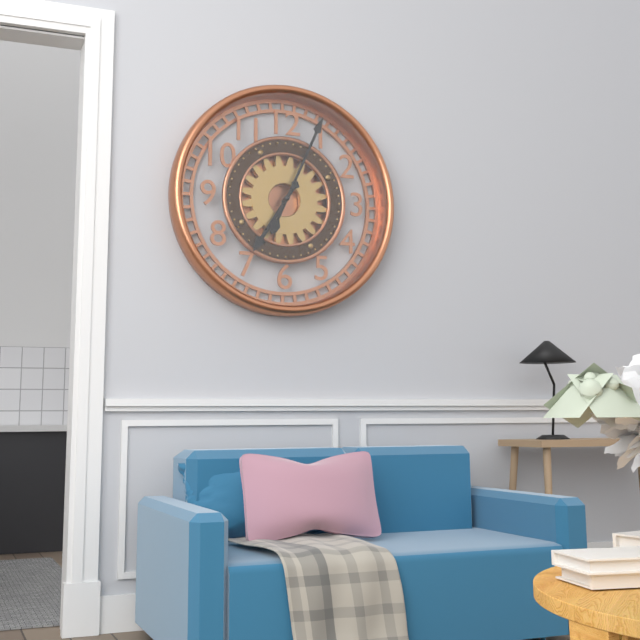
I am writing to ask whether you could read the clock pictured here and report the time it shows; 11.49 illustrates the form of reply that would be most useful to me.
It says 7.04
